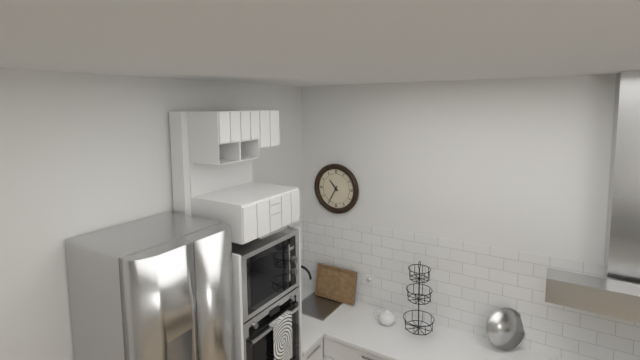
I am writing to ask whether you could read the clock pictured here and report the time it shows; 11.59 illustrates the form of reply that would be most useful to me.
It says 10.35
